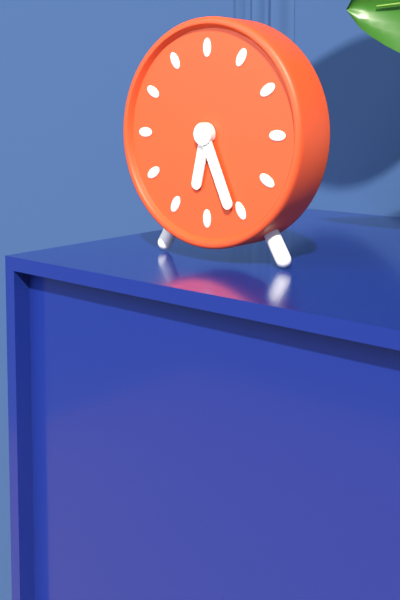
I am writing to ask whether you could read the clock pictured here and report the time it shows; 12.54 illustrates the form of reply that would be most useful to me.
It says 6.26
